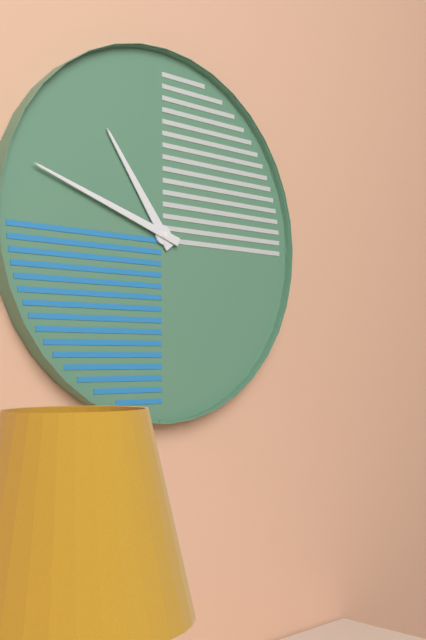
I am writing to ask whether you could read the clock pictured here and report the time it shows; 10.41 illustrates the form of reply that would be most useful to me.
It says 10.48
